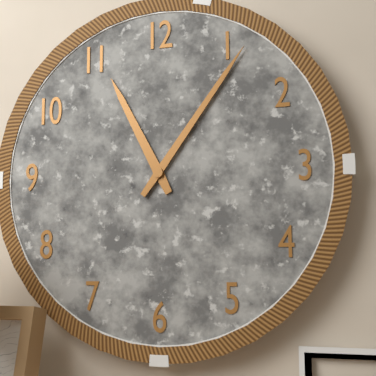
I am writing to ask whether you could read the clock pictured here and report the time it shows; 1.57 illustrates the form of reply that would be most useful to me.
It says 11.06
